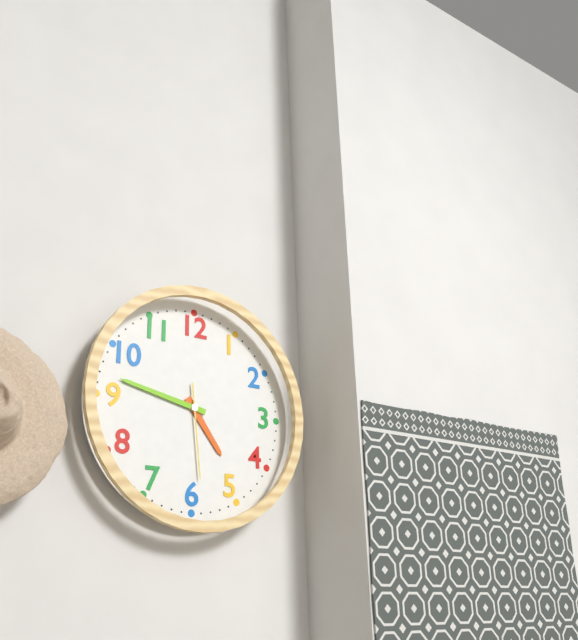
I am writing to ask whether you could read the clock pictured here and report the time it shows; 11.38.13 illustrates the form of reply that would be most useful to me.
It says 4.47.29
